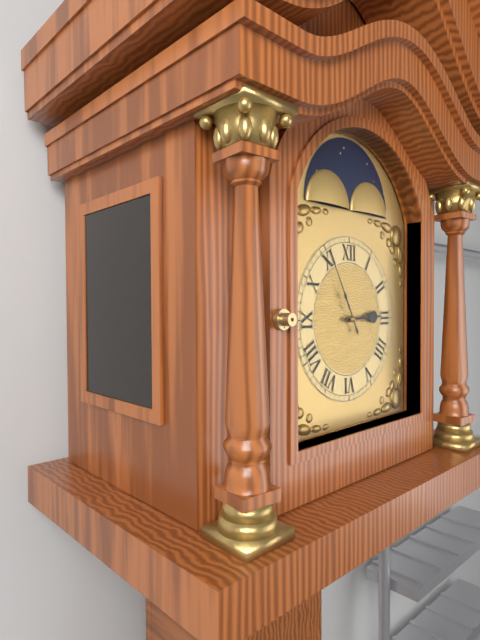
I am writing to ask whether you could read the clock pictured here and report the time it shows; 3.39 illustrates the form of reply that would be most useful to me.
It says 2.55
